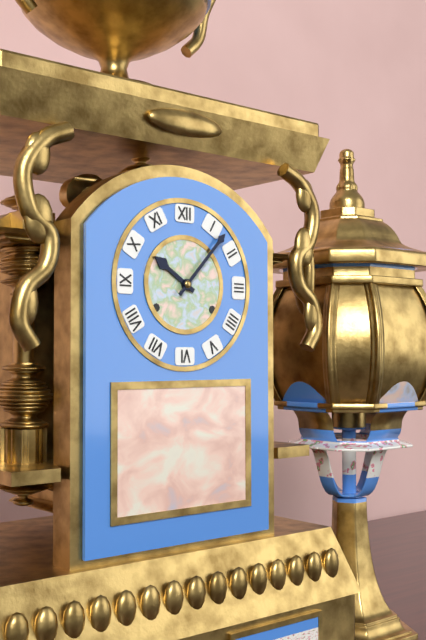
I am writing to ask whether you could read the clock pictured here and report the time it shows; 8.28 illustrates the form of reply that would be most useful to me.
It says 10.07
